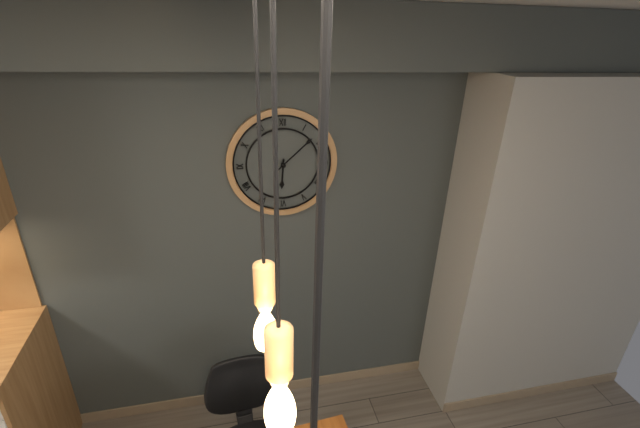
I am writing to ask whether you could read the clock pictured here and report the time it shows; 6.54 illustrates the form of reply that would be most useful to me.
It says 6.08
